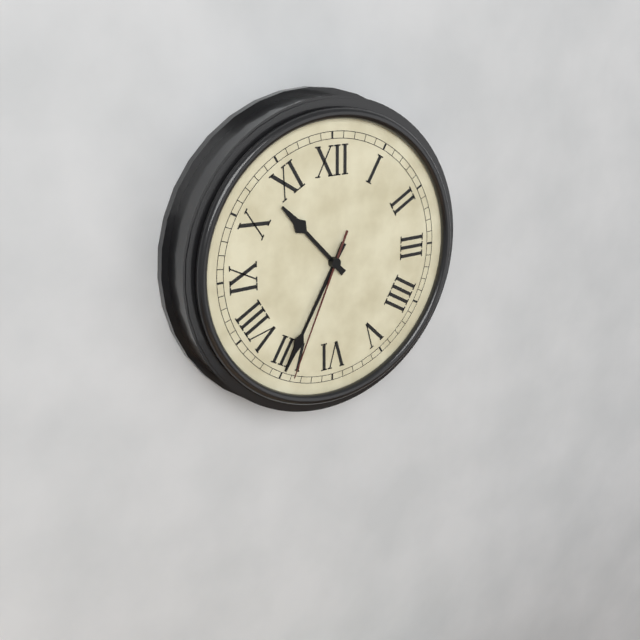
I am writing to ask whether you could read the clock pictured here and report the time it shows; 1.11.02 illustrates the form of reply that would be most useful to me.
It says 10.35.34
